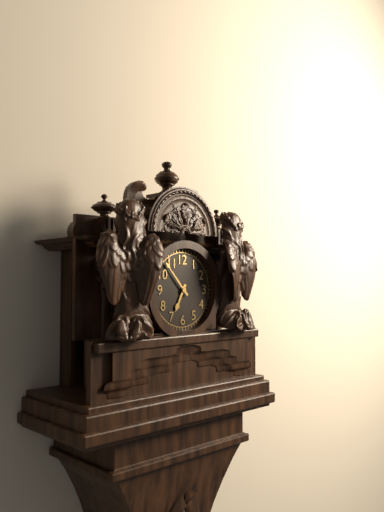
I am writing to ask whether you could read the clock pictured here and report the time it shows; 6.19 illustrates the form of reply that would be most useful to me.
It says 6.53
